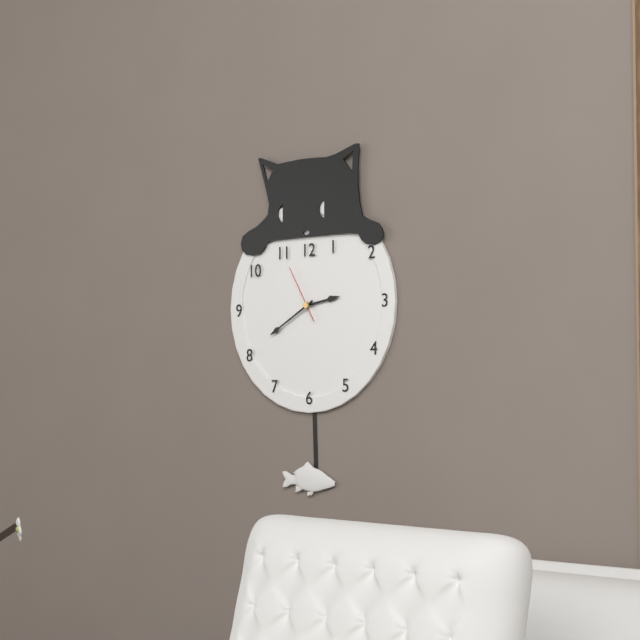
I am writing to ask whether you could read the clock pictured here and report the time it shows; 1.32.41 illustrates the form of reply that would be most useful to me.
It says 2.40.55
